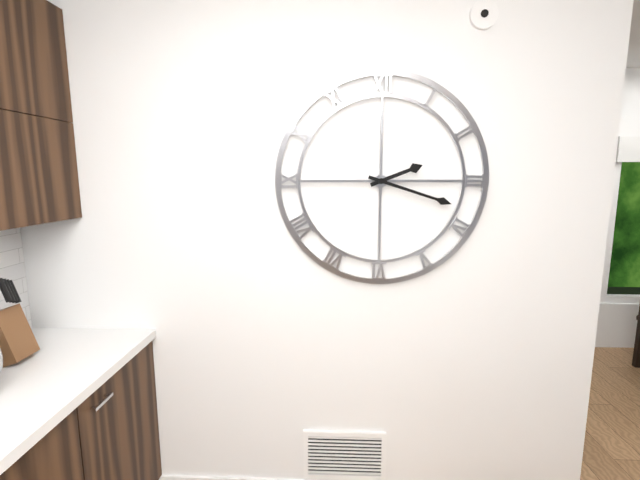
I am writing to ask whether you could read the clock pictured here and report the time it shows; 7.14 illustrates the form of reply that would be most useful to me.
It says 2.18
